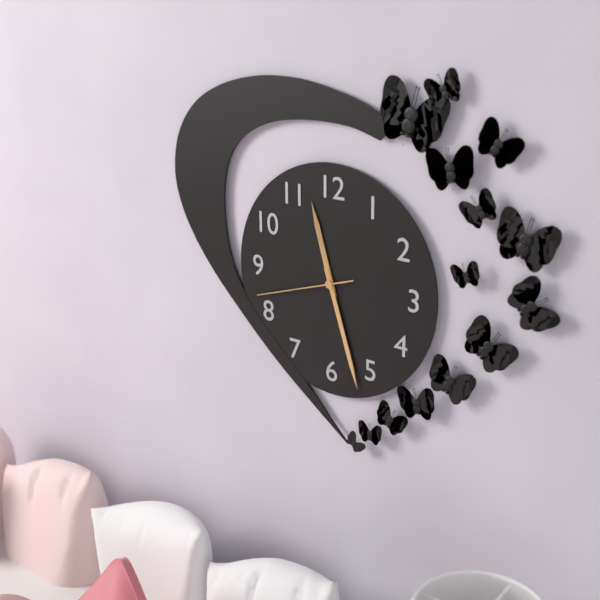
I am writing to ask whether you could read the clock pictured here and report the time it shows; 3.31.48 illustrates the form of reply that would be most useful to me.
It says 11.27.42
